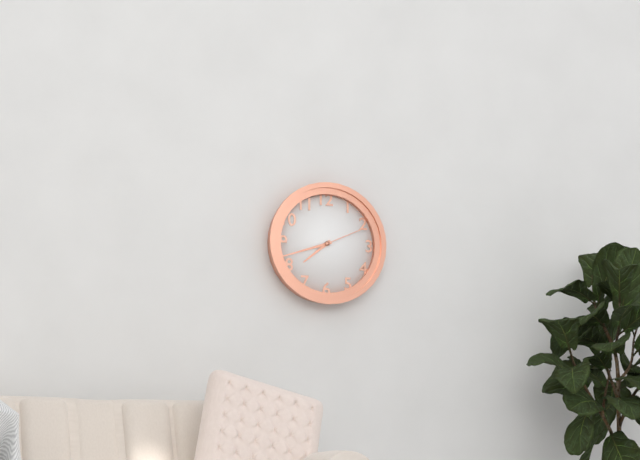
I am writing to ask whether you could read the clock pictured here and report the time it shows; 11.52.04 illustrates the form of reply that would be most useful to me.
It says 7.42.11
